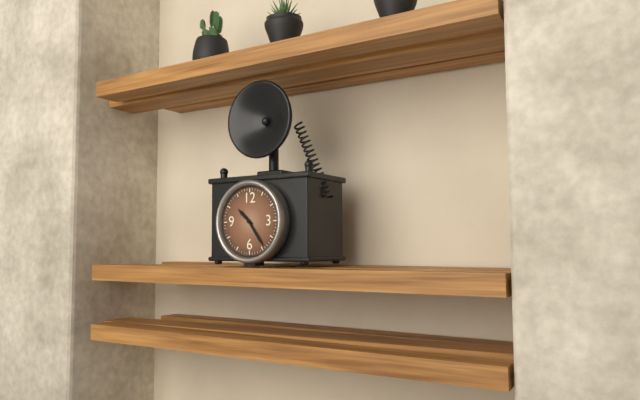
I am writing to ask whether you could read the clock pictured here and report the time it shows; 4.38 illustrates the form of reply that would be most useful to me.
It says 10.24
